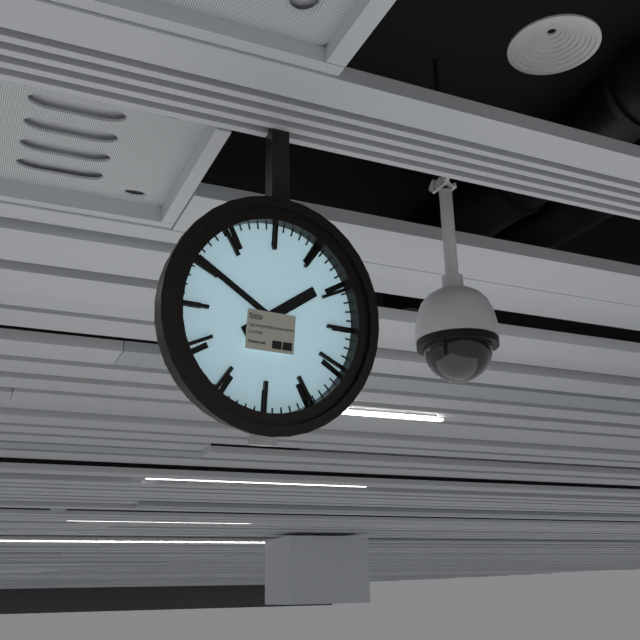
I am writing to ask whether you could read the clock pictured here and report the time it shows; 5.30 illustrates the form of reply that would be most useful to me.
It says 1.50
